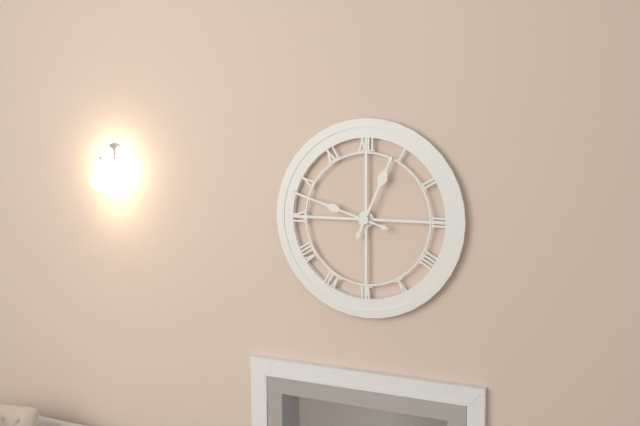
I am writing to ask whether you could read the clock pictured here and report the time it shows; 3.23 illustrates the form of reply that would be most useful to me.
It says 12.48
